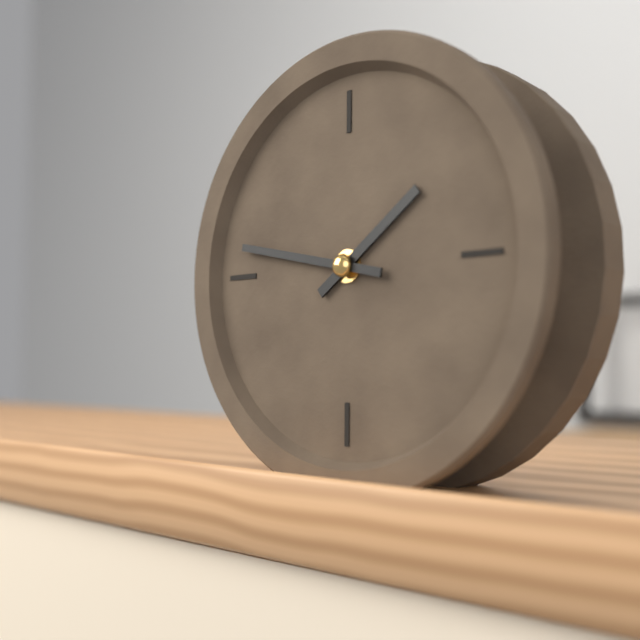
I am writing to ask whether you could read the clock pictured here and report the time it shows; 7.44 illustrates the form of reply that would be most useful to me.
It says 1.47
